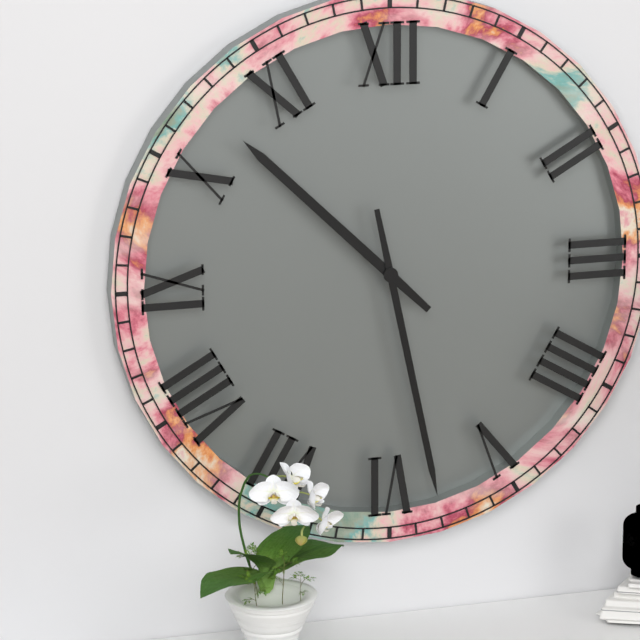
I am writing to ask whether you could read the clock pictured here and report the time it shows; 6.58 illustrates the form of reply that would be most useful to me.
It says 10.28
